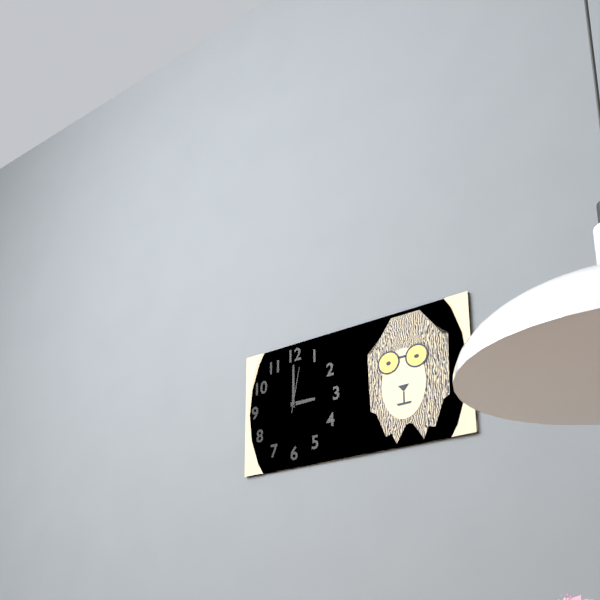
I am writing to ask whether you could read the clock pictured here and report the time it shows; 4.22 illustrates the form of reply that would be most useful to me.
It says 3.00
